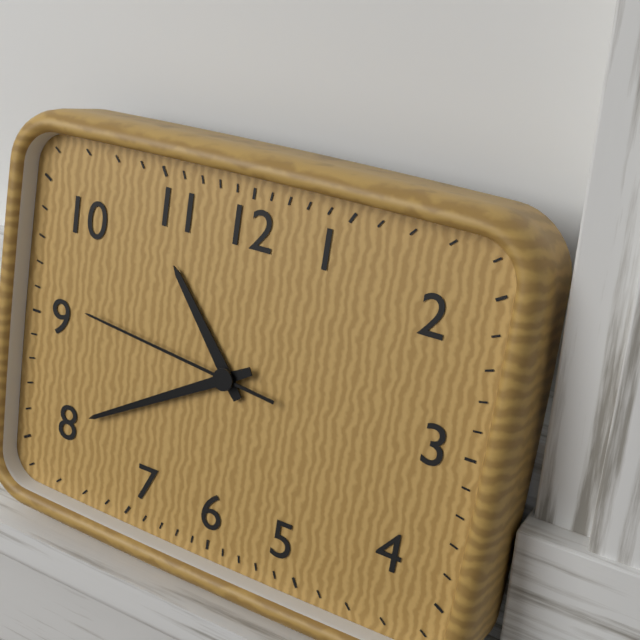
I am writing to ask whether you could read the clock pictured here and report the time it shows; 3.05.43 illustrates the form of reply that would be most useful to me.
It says 10.40.46
